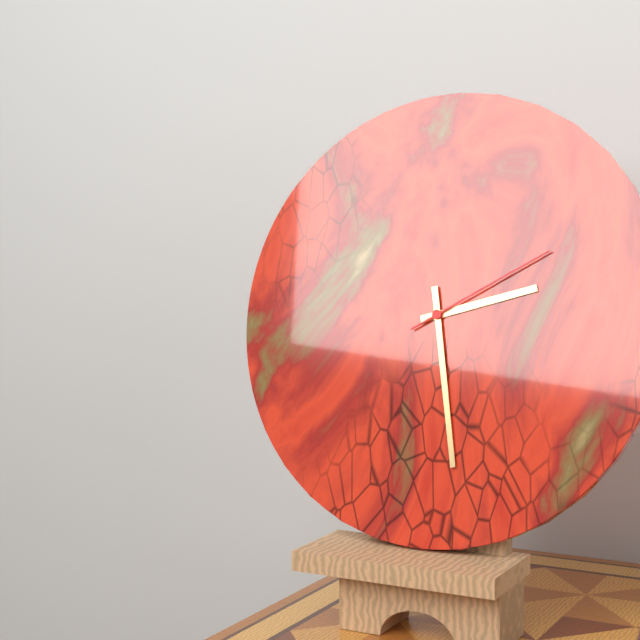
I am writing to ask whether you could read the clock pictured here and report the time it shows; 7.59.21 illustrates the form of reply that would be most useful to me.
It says 2.28.10
